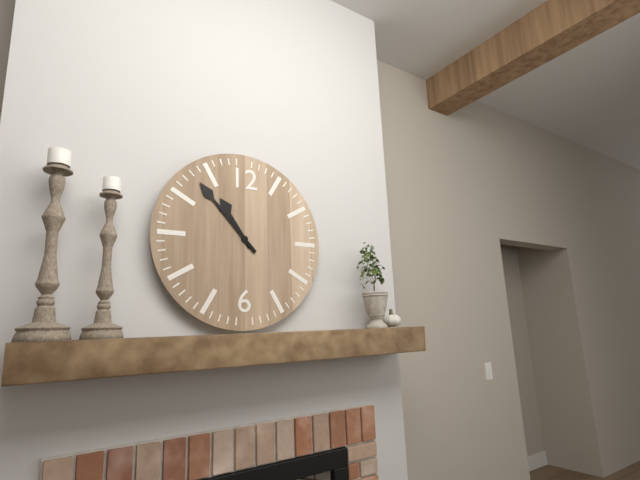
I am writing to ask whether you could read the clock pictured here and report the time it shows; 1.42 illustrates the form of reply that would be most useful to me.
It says 10.53
